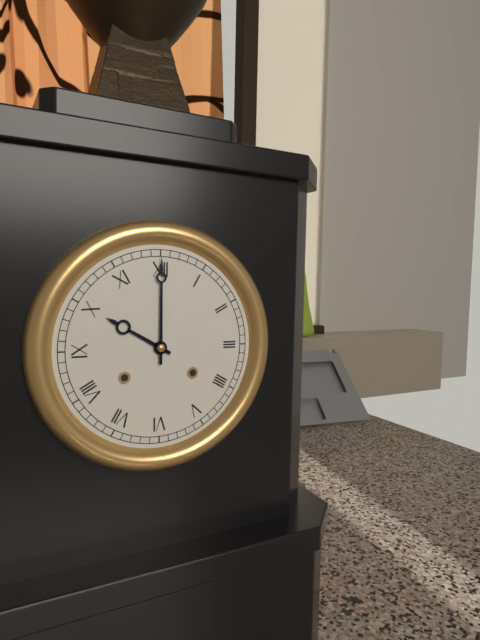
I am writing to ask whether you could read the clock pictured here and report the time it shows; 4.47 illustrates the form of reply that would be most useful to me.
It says 10.00
